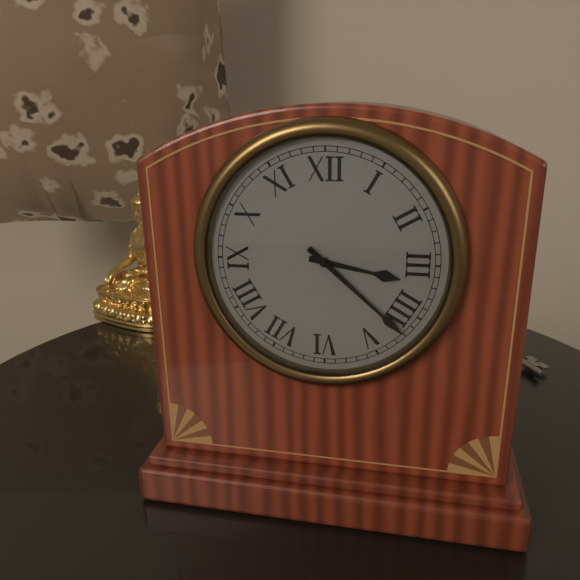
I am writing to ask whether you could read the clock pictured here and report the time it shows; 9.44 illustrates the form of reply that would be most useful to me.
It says 3.22
